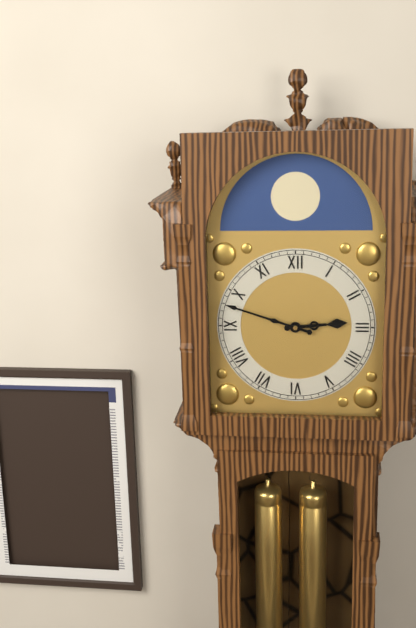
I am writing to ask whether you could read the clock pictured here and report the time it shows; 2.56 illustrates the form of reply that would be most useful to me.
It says 2.48
